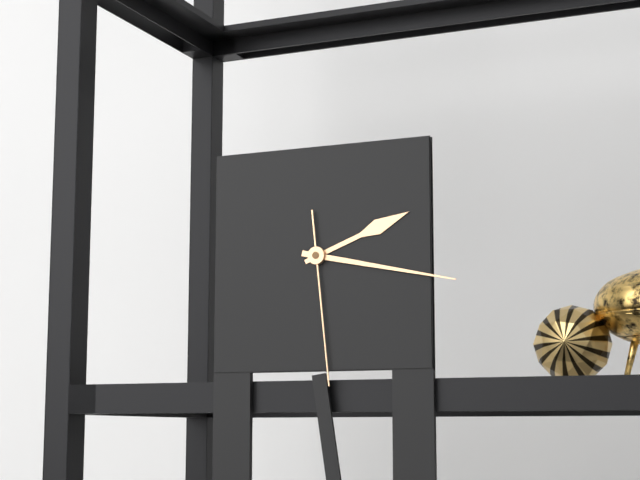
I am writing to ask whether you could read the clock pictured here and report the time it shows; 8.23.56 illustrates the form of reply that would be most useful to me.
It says 2.17.29
